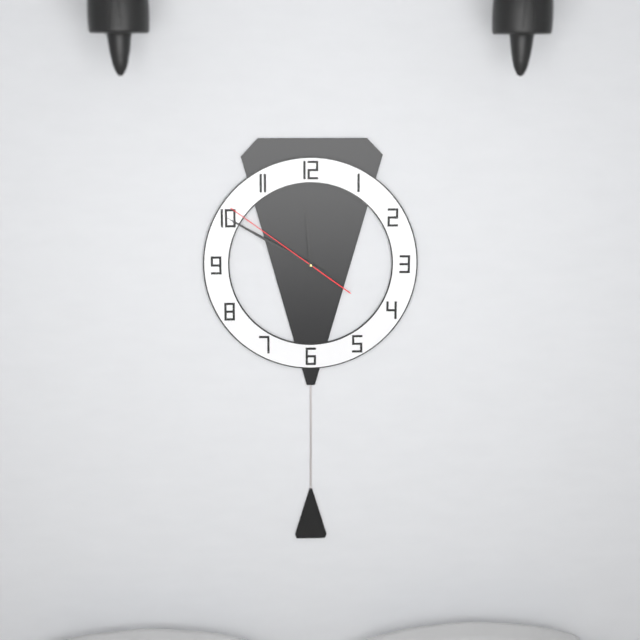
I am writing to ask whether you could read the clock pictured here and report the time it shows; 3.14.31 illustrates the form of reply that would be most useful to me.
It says 11.50.51
